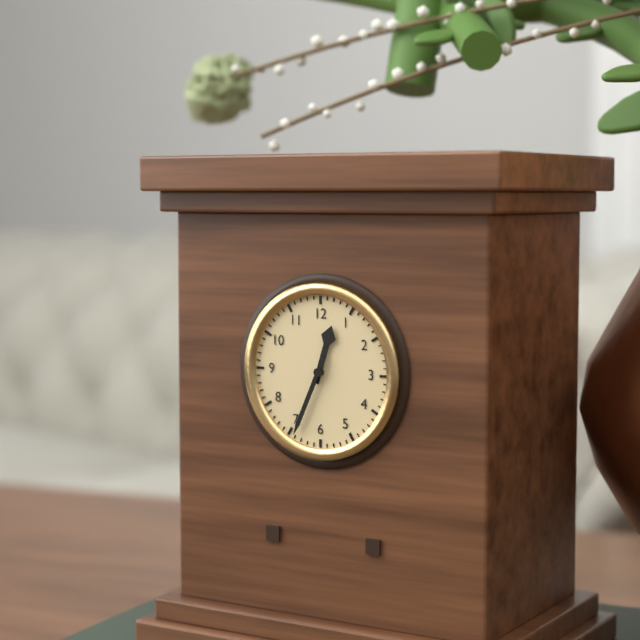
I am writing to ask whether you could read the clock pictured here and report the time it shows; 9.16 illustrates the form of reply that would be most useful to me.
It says 12.34
